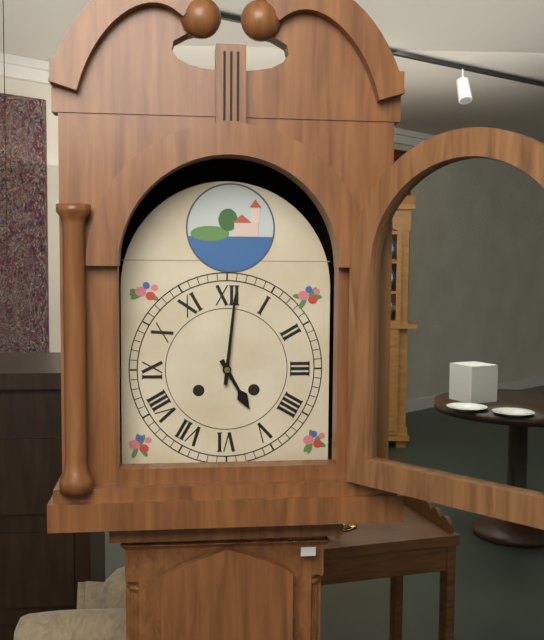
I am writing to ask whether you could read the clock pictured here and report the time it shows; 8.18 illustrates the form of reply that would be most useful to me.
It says 5.01
